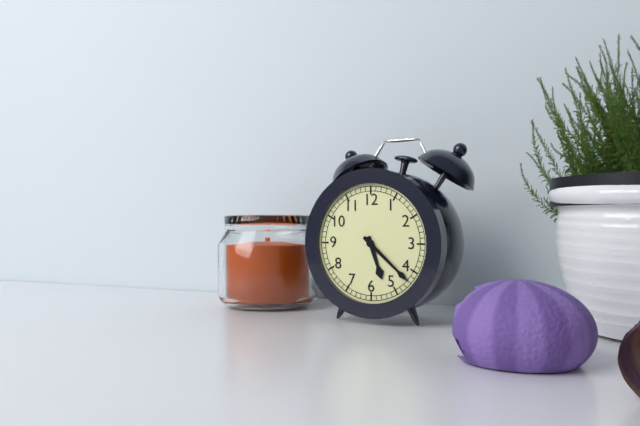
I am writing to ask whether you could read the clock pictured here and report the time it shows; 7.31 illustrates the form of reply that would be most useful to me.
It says 5.22
